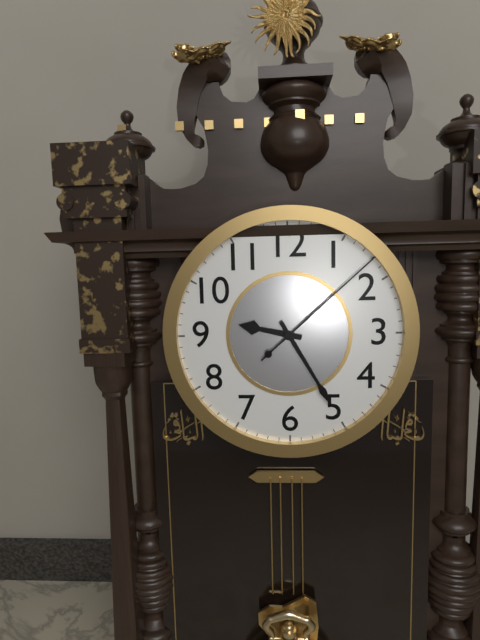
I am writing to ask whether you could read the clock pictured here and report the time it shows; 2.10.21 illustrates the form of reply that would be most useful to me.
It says 9.25.08
